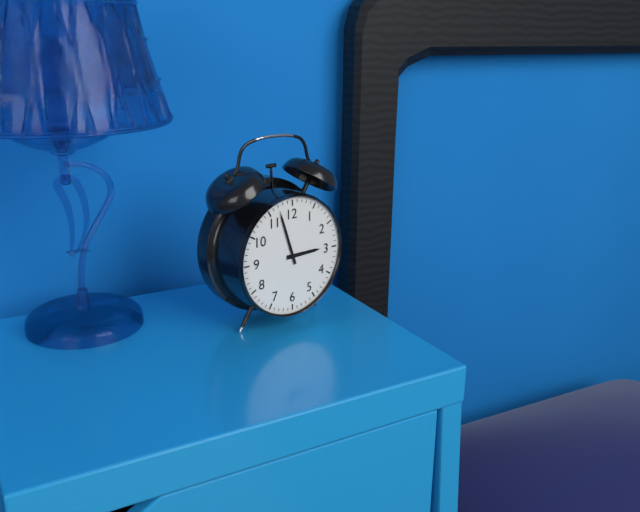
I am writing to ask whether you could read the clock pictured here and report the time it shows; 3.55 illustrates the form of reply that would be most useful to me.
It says 2.57
